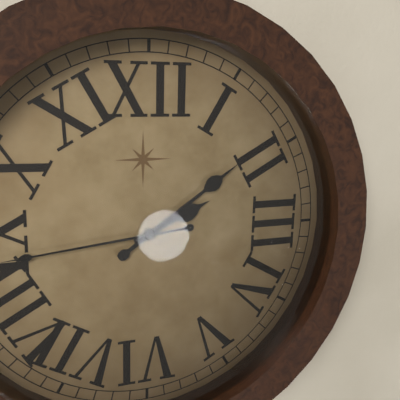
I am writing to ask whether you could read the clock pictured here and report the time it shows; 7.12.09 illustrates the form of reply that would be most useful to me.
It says 2.09.44
